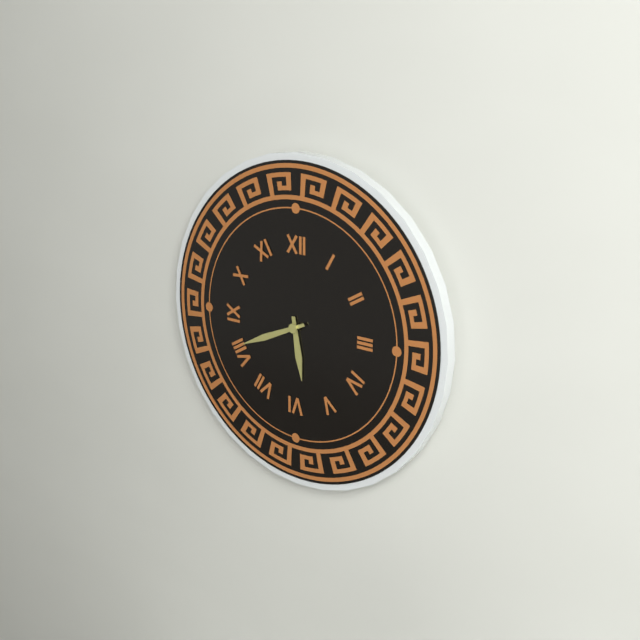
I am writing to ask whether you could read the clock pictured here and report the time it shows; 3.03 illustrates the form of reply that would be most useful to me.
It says 5.41
